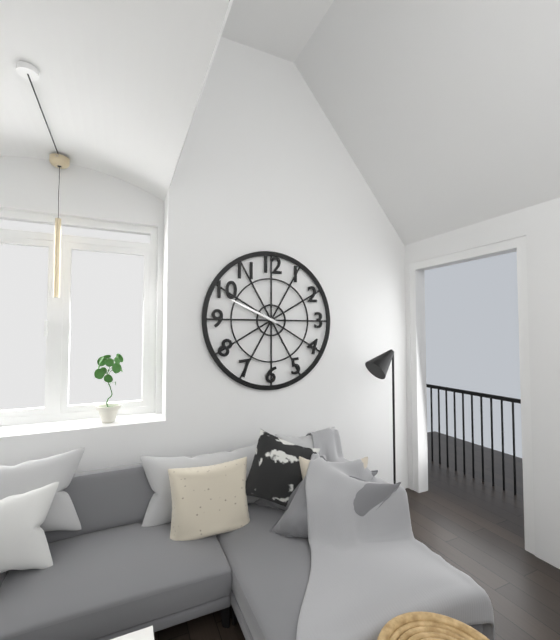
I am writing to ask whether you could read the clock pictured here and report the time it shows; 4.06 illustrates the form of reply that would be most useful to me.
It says 9.49
